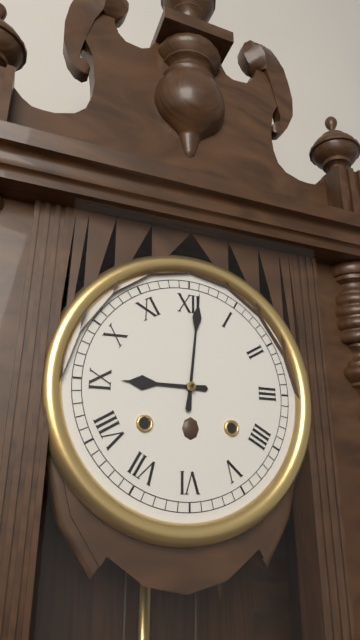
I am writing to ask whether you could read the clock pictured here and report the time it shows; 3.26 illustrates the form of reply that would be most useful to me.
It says 9.01
